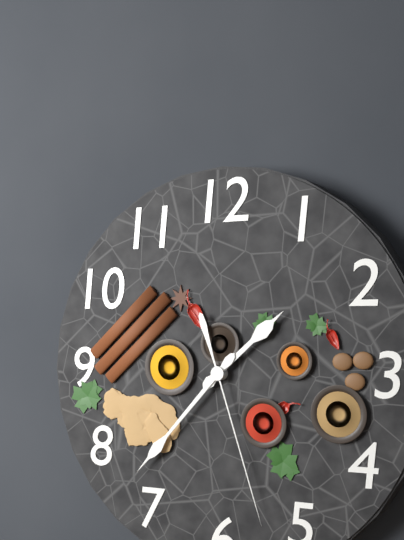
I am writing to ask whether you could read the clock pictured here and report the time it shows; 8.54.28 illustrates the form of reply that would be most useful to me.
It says 1.37.27
